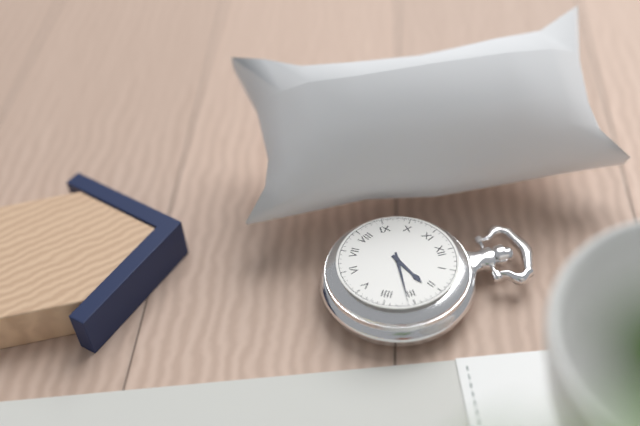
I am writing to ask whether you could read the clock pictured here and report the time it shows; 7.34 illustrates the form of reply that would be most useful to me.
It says 2.16
